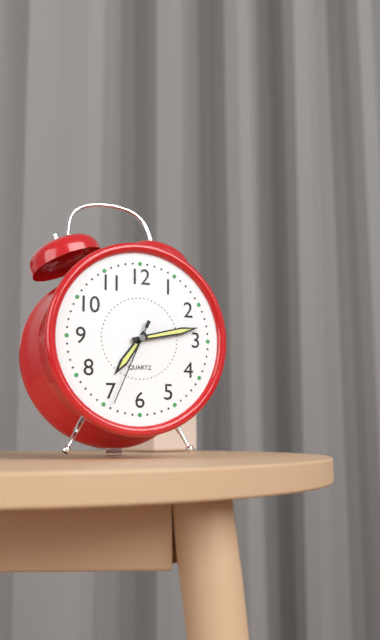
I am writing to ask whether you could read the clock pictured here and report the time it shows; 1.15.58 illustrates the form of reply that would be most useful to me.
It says 7.13.34
